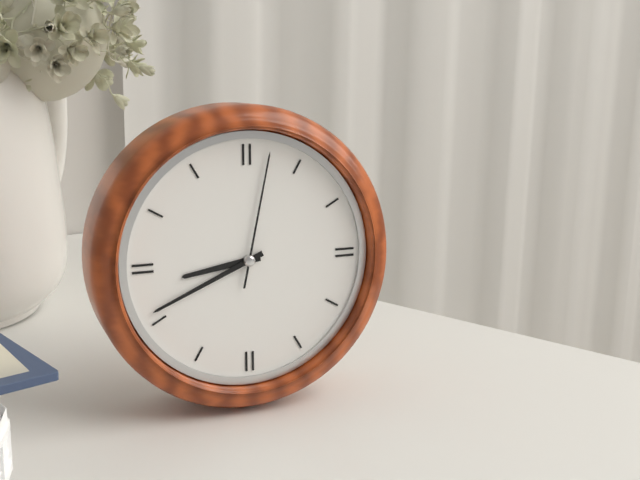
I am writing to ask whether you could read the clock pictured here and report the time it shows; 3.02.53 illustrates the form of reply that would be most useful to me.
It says 8.41.02
